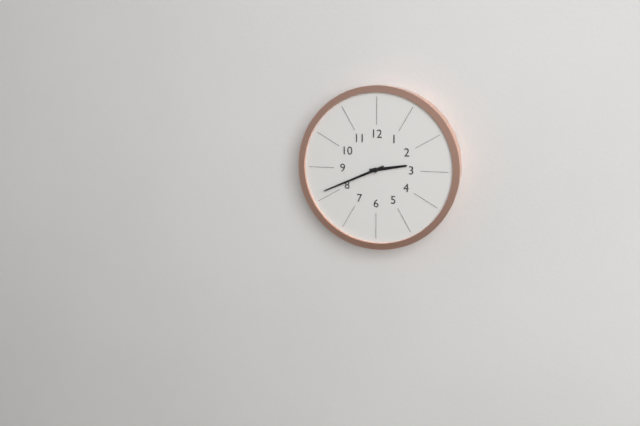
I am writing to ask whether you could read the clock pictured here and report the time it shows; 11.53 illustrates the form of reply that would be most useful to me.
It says 2.41
